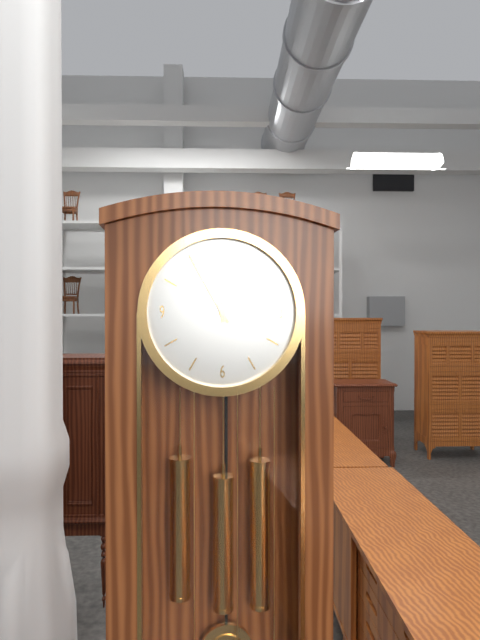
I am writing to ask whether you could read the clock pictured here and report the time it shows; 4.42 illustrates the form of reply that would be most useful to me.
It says 11.55
